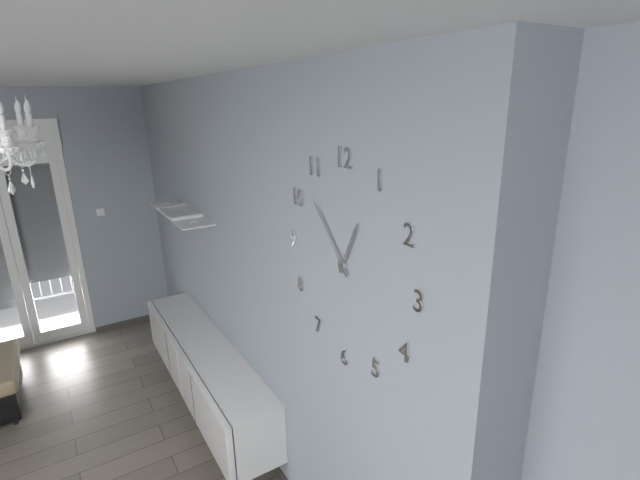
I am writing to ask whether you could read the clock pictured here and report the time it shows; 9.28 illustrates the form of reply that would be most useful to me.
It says 12.53
